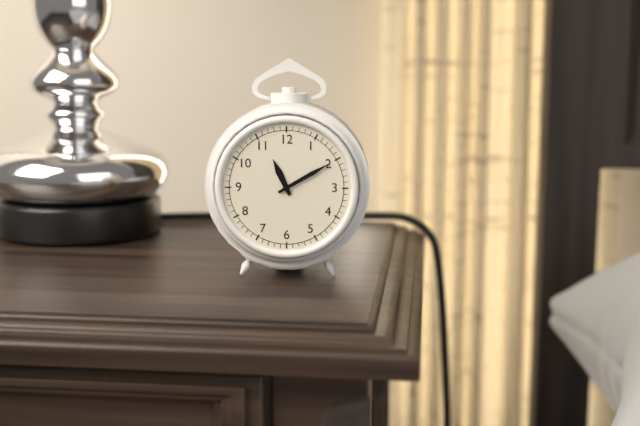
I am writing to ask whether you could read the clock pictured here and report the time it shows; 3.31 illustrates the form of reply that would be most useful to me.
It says 11.10
